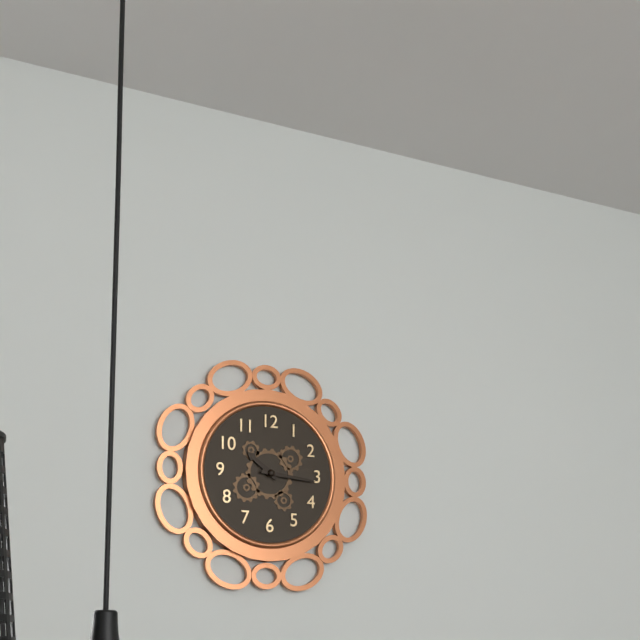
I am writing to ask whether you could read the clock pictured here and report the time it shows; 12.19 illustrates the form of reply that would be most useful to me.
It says 10.16
